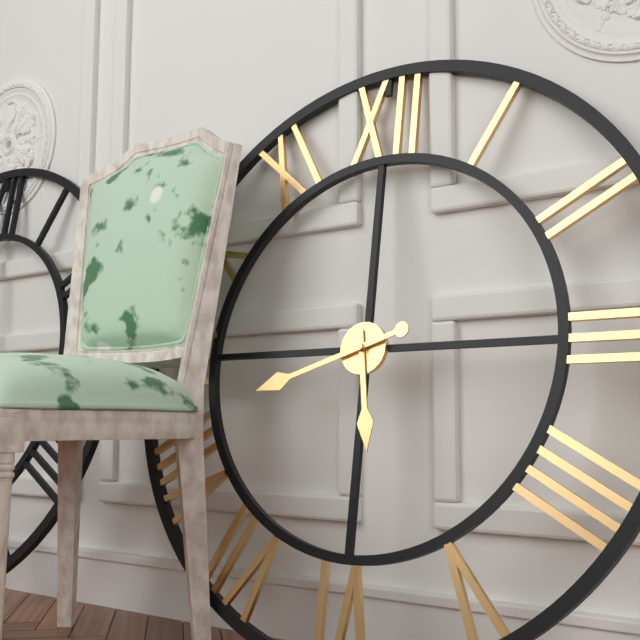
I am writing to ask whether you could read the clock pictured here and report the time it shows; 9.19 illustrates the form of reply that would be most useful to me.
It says 5.42
